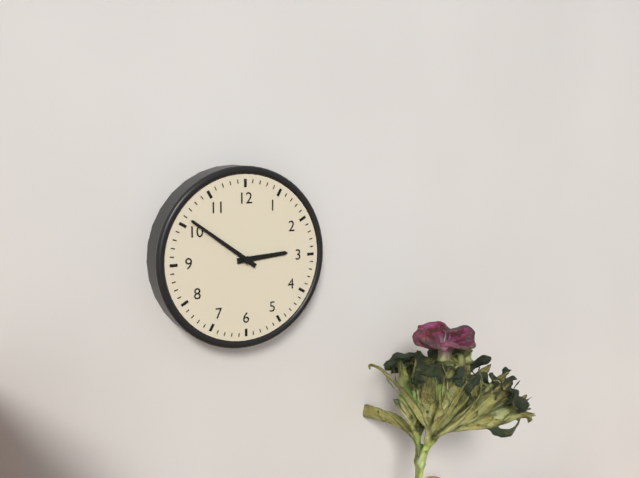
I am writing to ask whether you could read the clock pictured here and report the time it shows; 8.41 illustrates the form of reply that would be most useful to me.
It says 2.51
